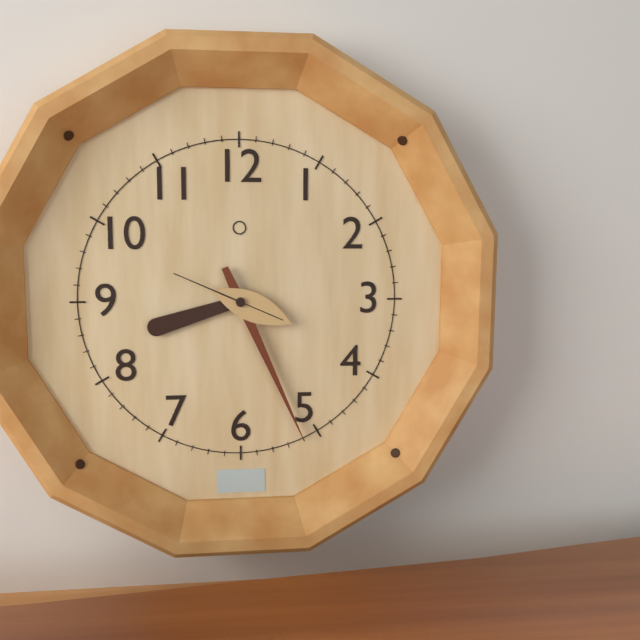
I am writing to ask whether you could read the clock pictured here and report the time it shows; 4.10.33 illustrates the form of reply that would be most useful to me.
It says 8.26.49
